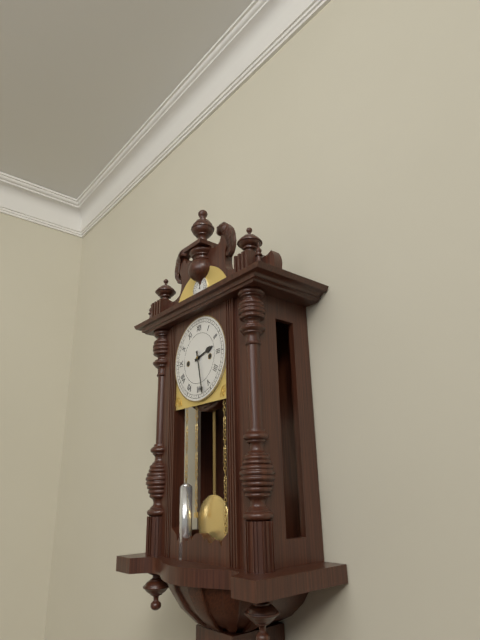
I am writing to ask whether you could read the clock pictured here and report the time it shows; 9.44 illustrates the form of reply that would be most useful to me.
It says 2.28
